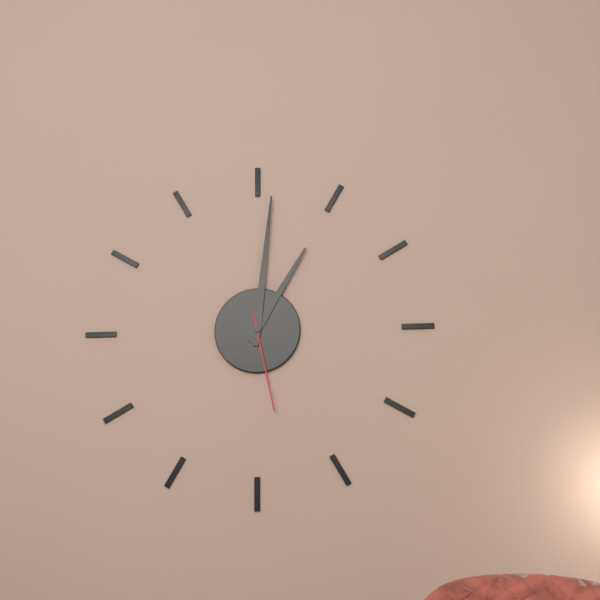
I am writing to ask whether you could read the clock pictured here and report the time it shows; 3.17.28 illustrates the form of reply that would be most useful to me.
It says 1.01.28
